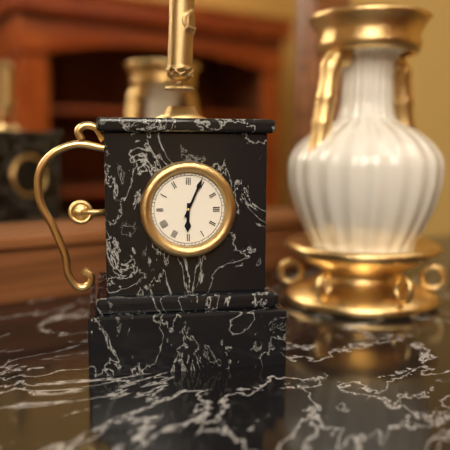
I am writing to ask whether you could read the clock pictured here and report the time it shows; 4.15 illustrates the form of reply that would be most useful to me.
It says 6.04
